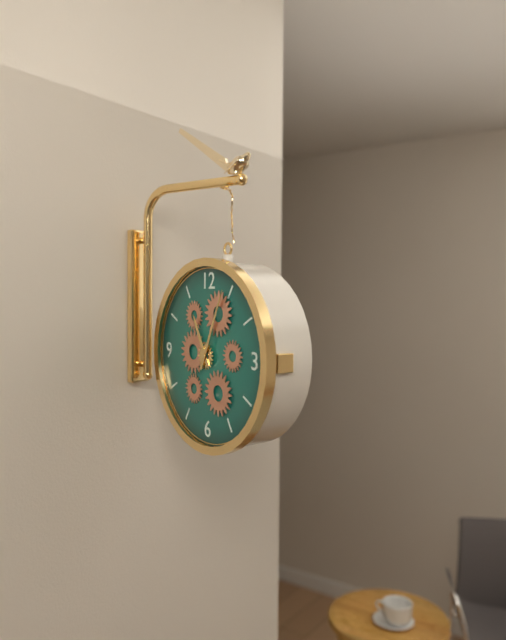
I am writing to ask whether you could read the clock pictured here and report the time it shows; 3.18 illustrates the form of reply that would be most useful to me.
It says 11.04
